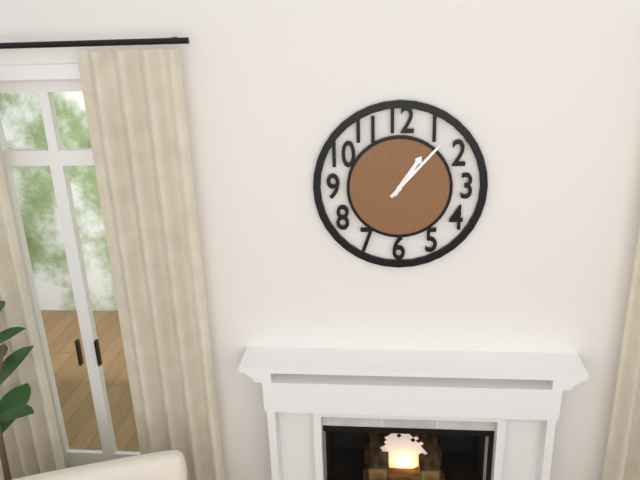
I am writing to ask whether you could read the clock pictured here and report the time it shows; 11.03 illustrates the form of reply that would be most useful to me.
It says 1.07
